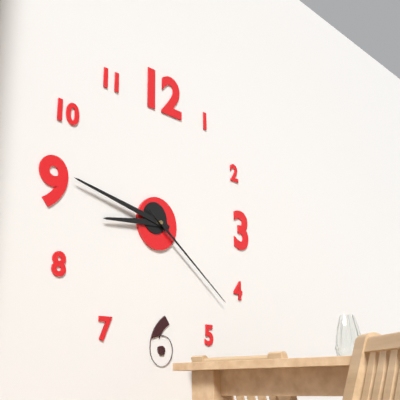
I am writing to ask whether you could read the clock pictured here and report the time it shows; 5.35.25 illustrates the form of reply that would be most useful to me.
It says 8.47.21
